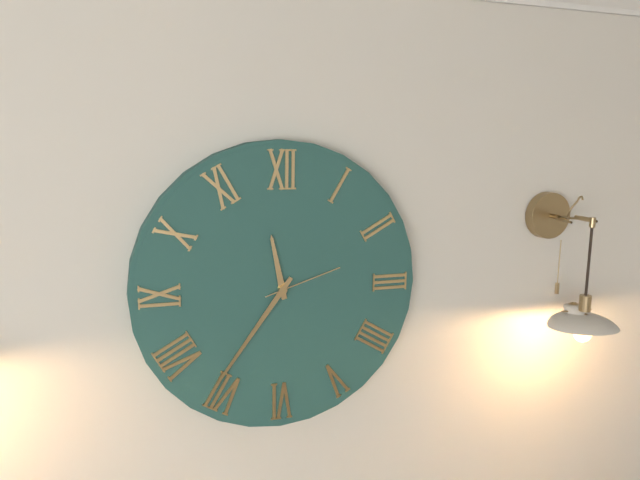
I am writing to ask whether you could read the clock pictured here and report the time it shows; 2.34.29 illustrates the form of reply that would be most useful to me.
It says 11.36.12
